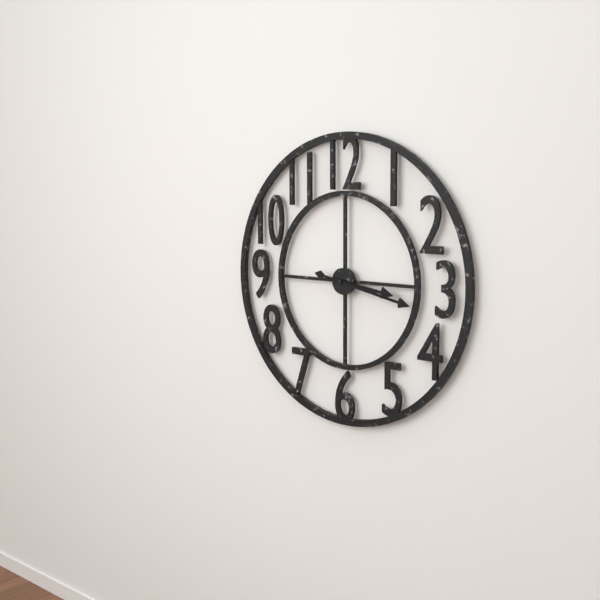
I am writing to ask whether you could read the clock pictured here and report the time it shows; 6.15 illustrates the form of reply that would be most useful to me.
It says 3.17
